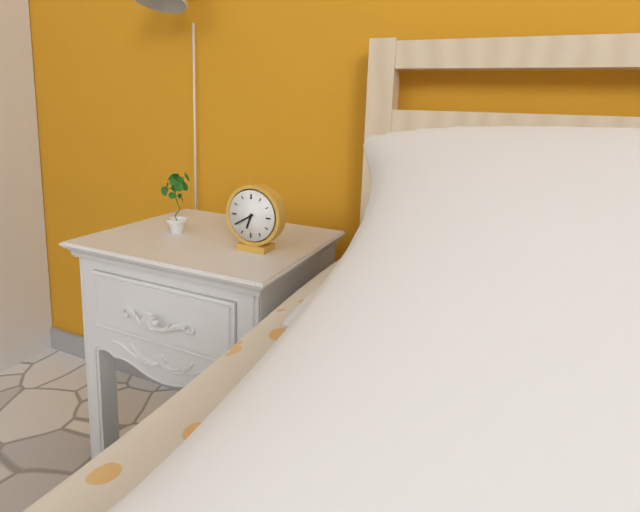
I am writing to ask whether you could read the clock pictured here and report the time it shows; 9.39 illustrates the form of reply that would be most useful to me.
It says 6.40
